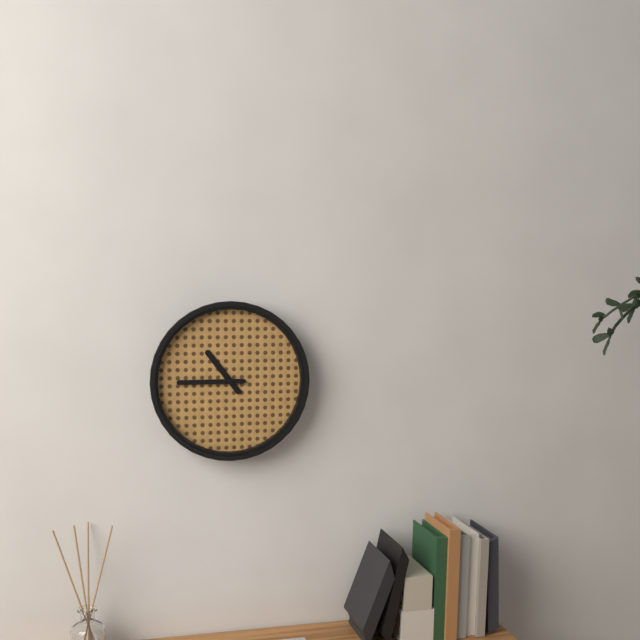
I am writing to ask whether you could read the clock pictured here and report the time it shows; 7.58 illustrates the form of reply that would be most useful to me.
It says 10.45
